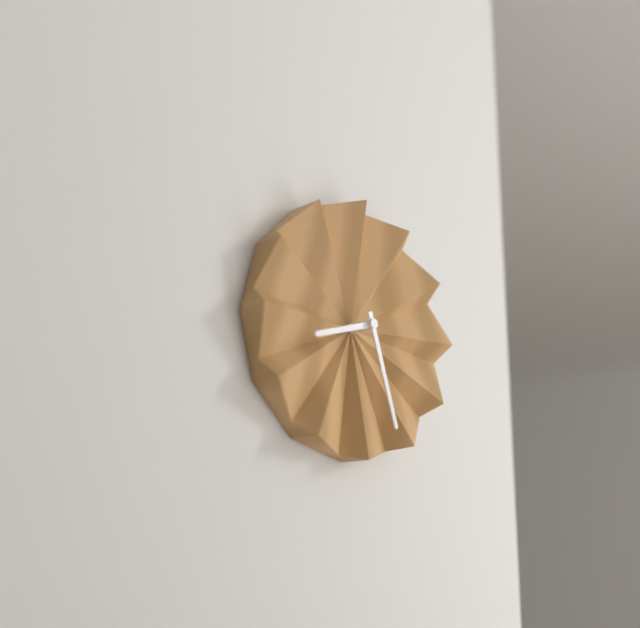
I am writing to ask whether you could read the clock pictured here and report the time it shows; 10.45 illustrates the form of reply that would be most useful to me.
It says 8.27
